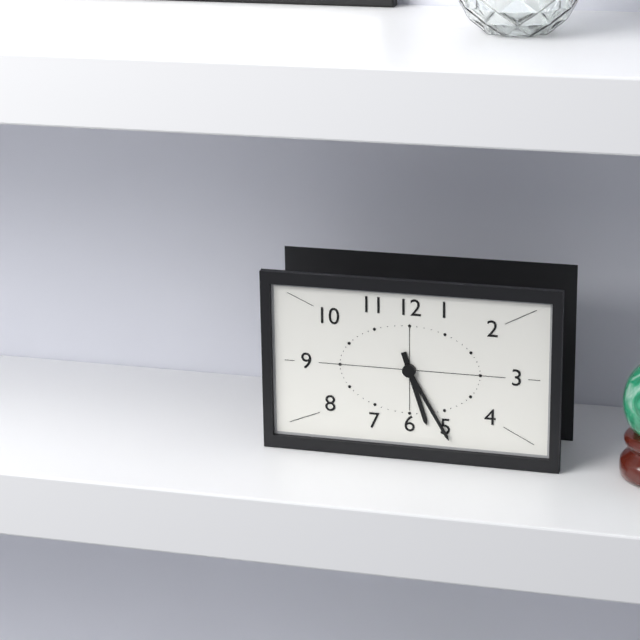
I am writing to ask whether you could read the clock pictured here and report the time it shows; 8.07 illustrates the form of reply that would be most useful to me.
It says 5.25
